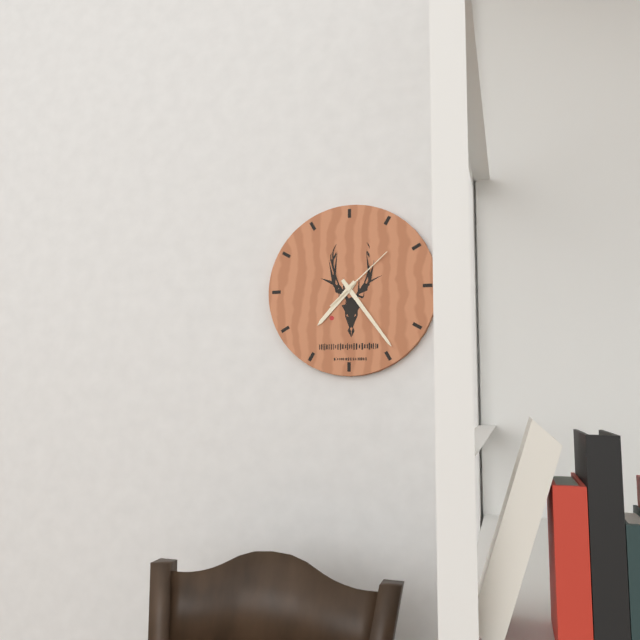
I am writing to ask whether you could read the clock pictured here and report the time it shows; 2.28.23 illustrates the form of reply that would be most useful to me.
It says 7.24.08
